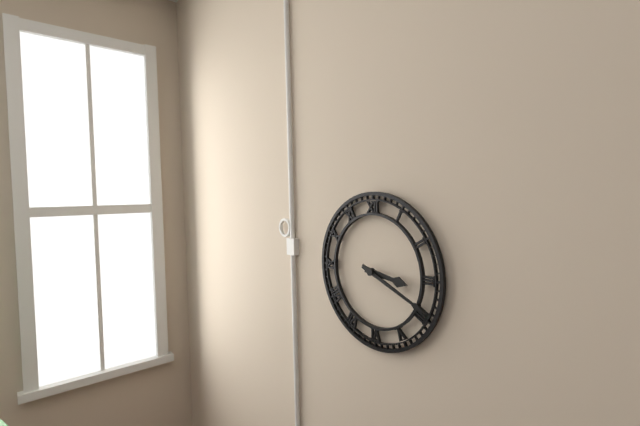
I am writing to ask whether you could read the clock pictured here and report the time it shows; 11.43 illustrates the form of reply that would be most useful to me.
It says 3.19
